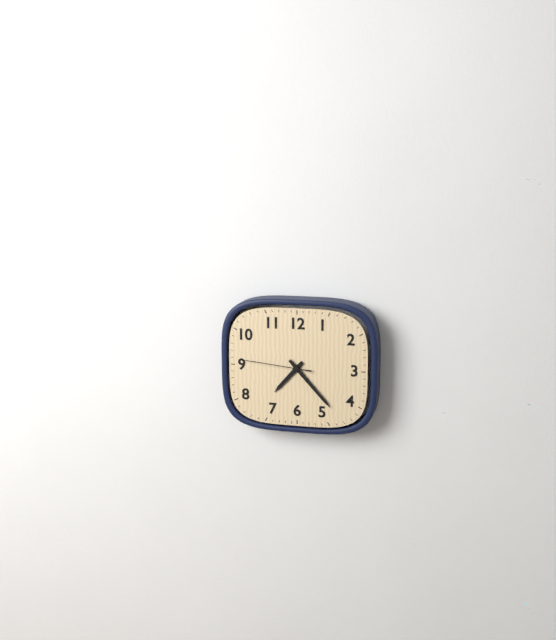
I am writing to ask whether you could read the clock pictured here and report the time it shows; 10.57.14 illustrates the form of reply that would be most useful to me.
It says 7.23.46
